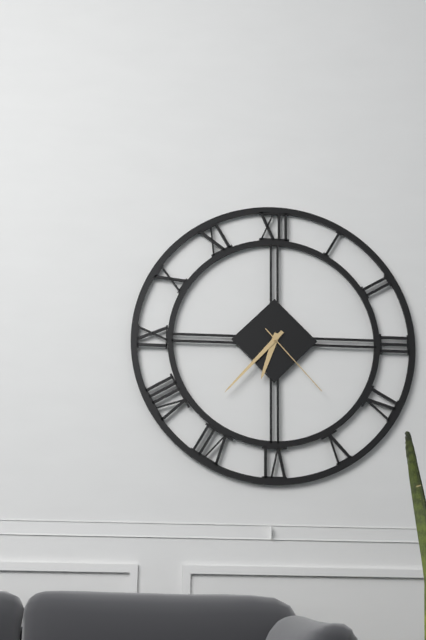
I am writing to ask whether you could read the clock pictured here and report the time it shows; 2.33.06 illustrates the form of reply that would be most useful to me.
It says 6.37.23
